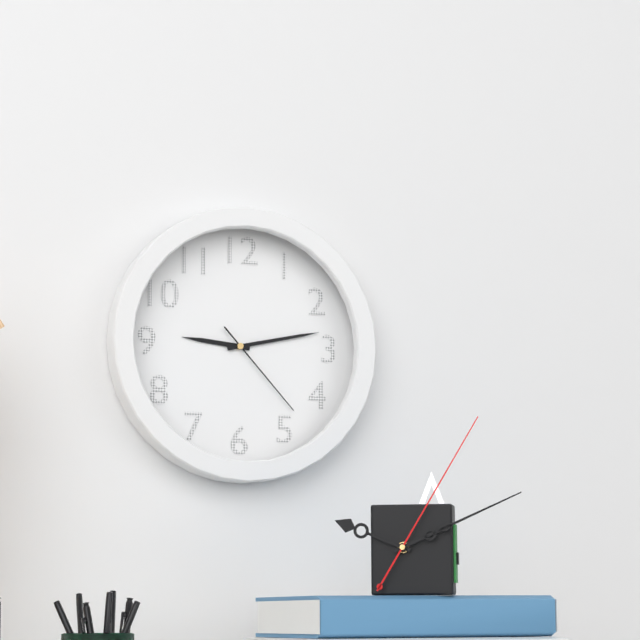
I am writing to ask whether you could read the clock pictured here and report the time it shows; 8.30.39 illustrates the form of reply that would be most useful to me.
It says 9.13.23
